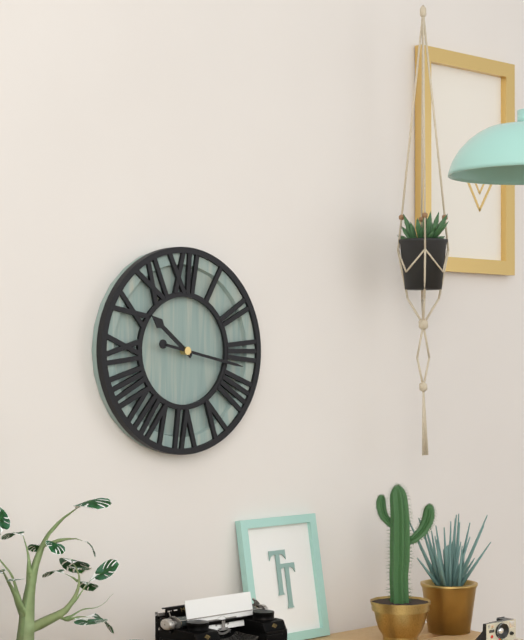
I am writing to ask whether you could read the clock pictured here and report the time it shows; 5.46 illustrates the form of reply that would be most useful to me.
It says 10.17
